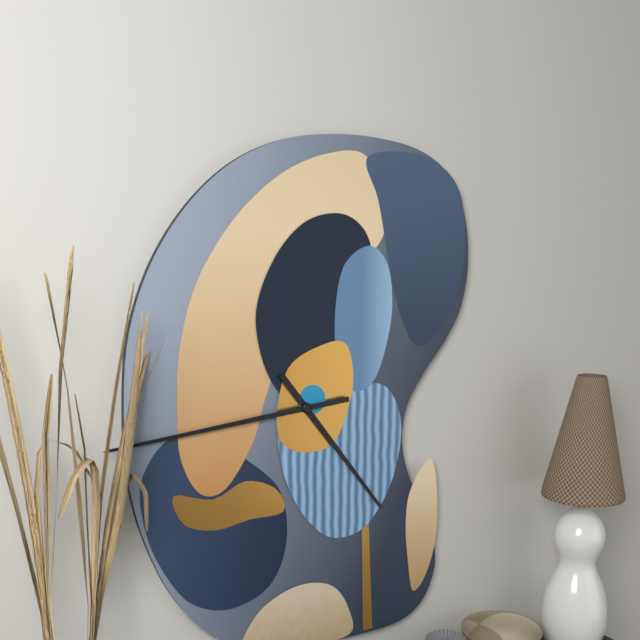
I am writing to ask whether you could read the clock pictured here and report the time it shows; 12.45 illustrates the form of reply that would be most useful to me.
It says 4.44
